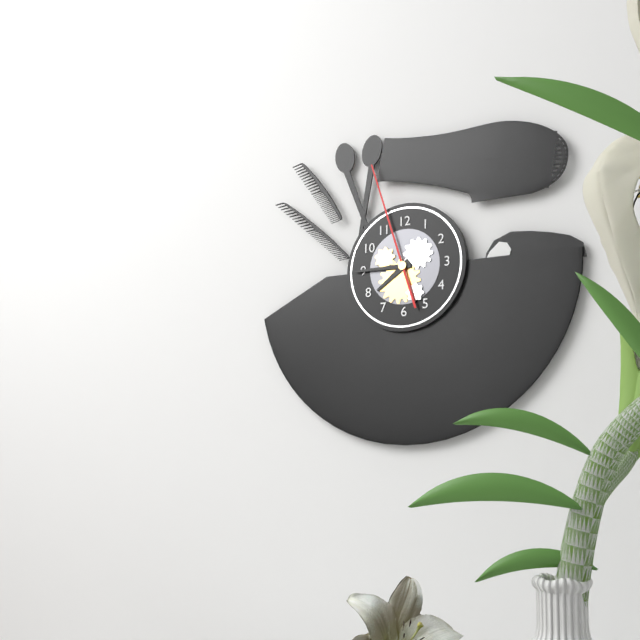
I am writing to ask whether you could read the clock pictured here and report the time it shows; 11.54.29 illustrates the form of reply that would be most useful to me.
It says 7.45.57
